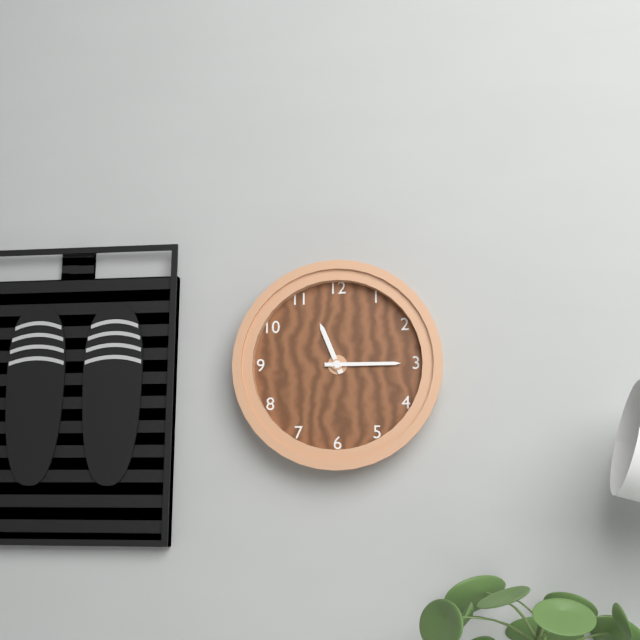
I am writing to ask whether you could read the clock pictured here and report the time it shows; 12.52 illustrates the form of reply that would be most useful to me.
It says 11.15
